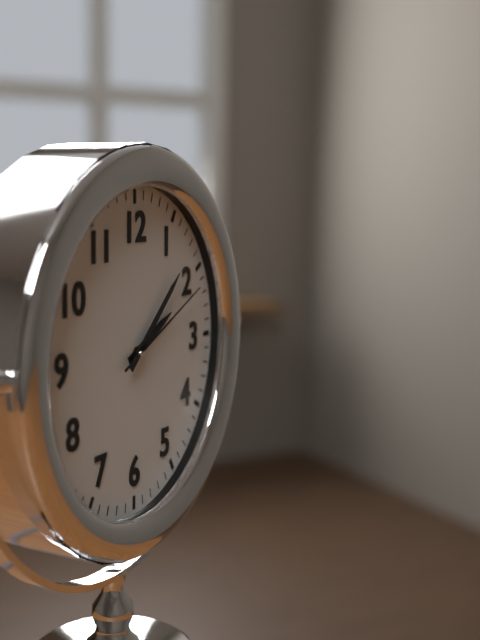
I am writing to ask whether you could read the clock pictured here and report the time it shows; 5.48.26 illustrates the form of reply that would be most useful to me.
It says 2.08.11
